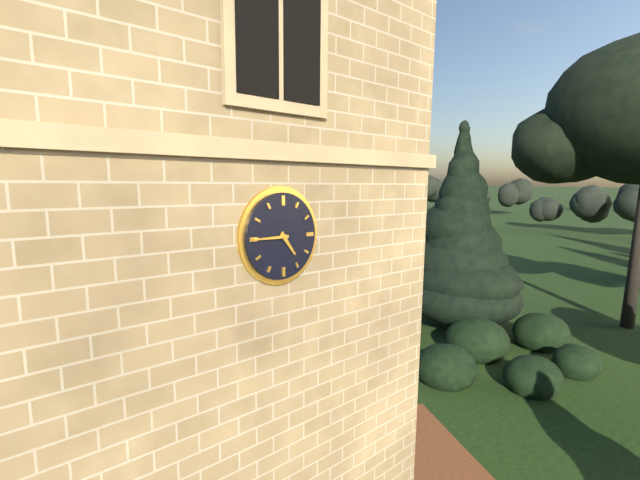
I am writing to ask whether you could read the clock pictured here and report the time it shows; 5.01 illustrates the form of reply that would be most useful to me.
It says 4.45
